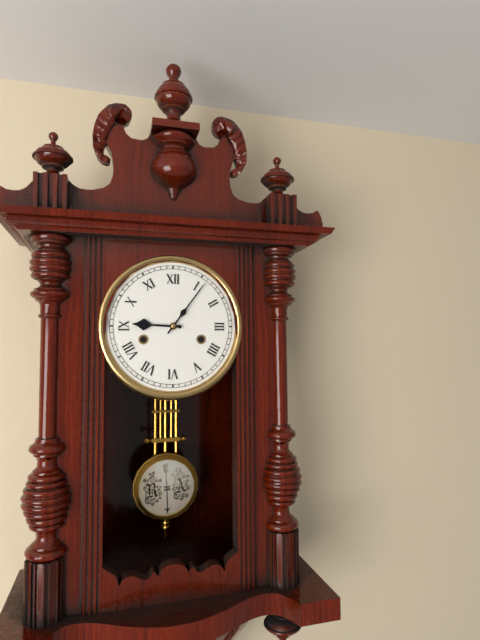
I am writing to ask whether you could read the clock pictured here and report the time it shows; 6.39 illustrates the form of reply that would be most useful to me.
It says 9.06
